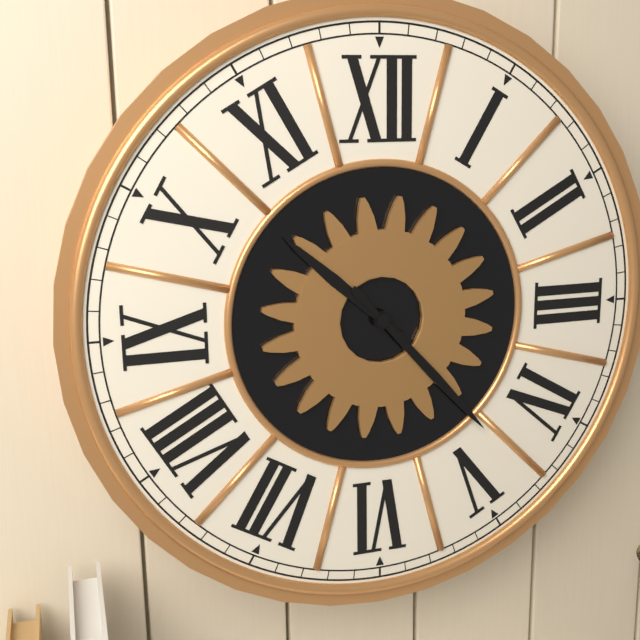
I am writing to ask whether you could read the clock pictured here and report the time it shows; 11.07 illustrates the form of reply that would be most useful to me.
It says 10.23
